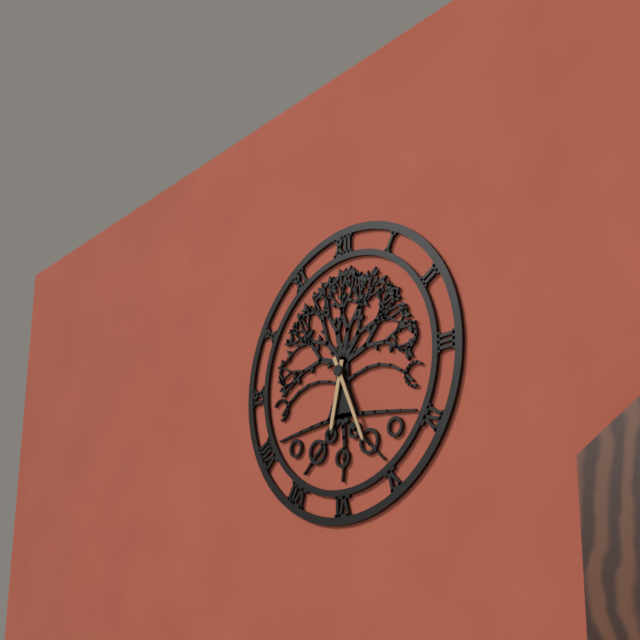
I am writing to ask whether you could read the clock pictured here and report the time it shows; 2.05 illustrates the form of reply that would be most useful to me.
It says 6.26
